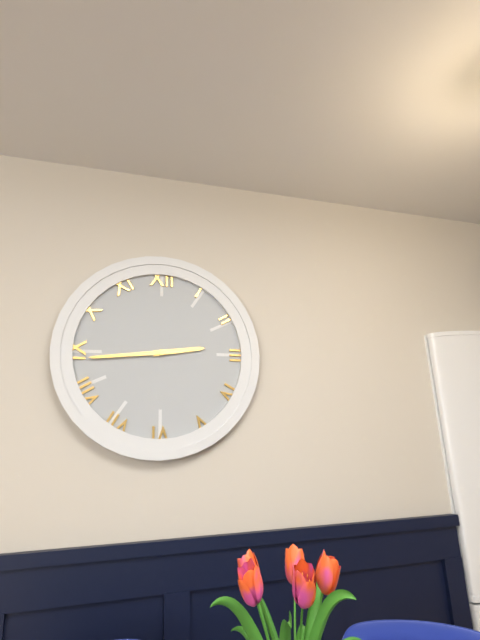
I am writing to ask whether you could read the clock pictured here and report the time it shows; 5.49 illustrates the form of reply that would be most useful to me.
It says 2.44
